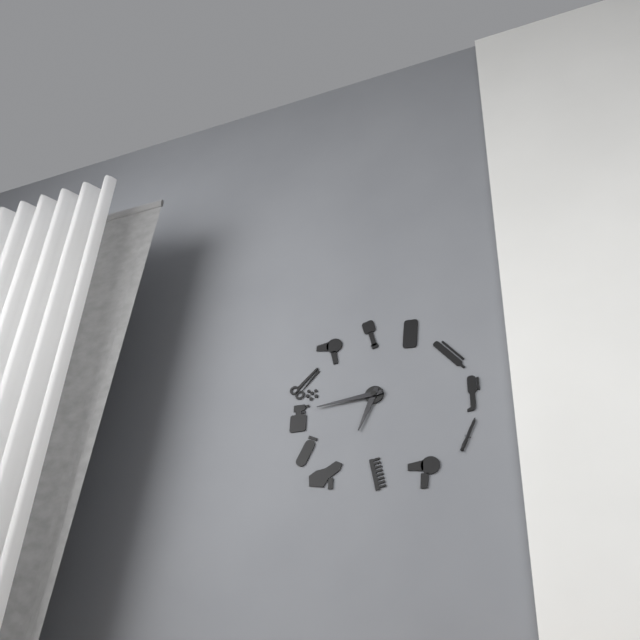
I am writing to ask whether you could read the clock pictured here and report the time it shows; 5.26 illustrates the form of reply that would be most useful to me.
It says 6.44
